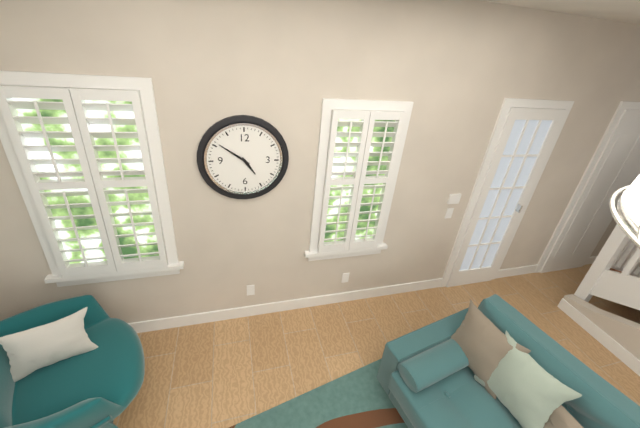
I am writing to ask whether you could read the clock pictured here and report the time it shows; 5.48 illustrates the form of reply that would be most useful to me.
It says 4.51
